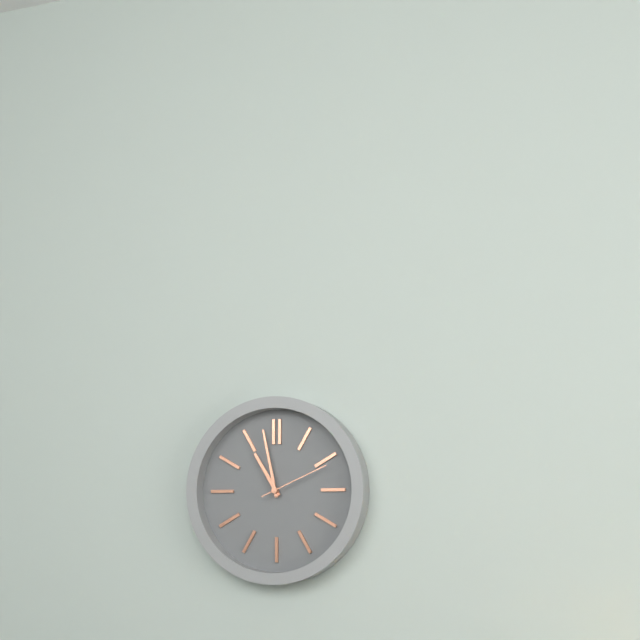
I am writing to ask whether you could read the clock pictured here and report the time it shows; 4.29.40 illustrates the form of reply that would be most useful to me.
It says 10.58.11
